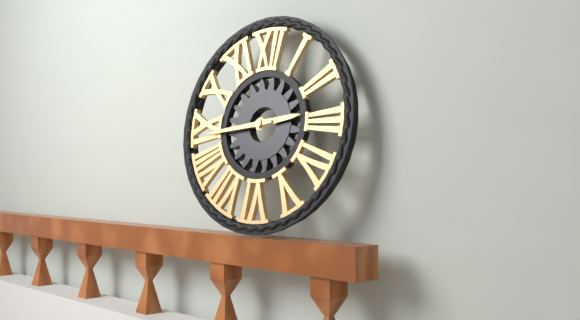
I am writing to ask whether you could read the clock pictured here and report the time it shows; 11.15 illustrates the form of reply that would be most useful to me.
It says 2.44
